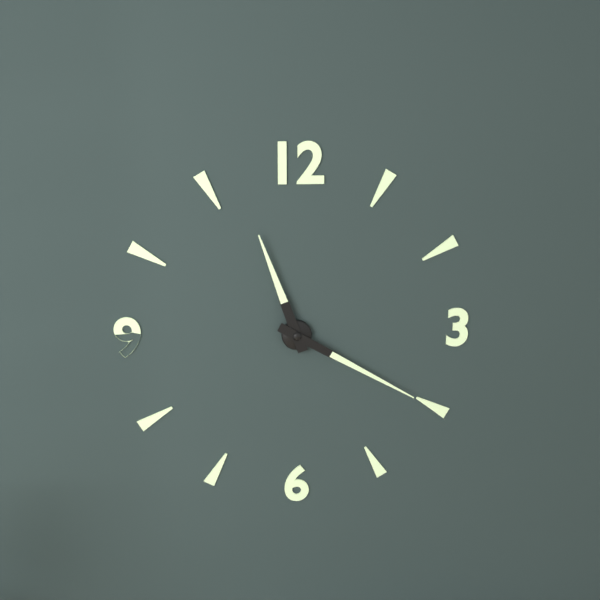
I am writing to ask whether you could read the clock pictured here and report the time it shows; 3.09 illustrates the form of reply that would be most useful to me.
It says 11.20
